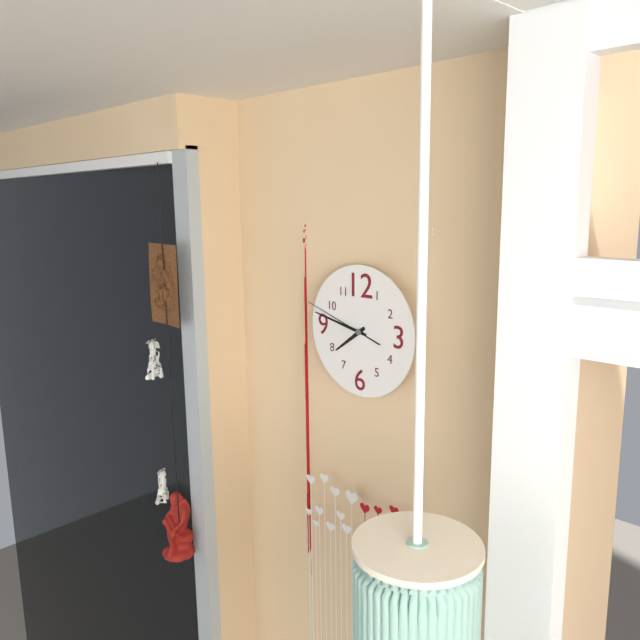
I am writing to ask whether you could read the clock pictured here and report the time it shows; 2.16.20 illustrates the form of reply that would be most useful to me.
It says 7.47.48
